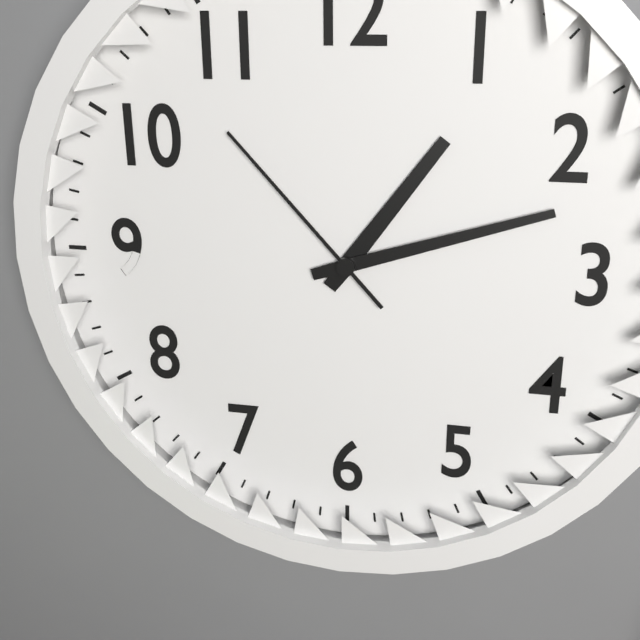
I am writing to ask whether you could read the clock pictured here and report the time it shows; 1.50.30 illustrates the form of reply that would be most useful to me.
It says 1.12.53
